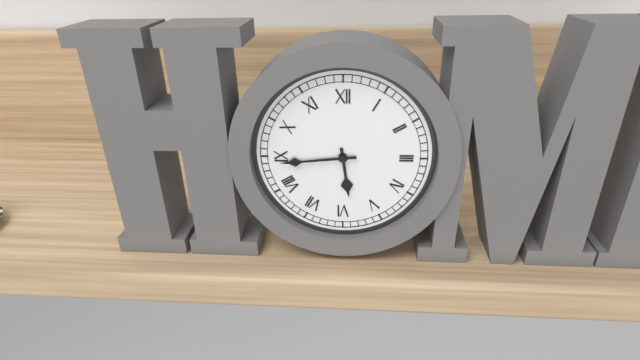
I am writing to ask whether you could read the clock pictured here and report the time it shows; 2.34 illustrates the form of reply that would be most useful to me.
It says 5.44
